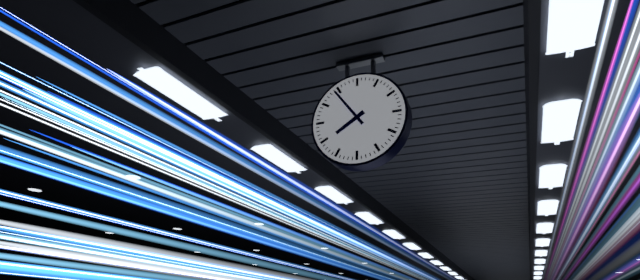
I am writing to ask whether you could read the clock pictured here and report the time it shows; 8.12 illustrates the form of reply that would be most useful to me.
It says 7.54
